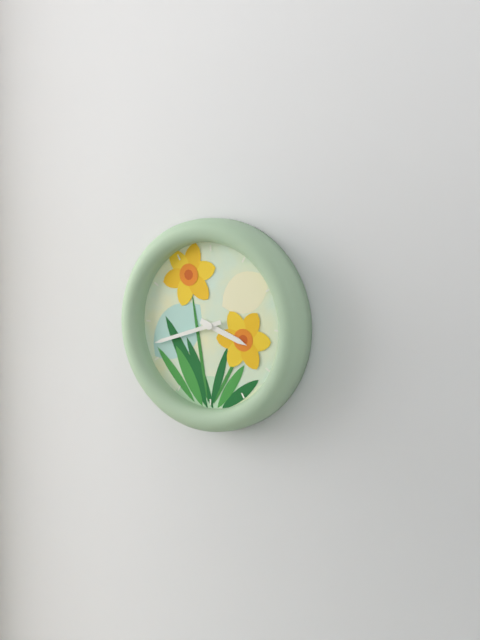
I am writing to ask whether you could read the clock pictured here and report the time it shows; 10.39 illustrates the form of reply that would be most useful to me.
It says 3.42
